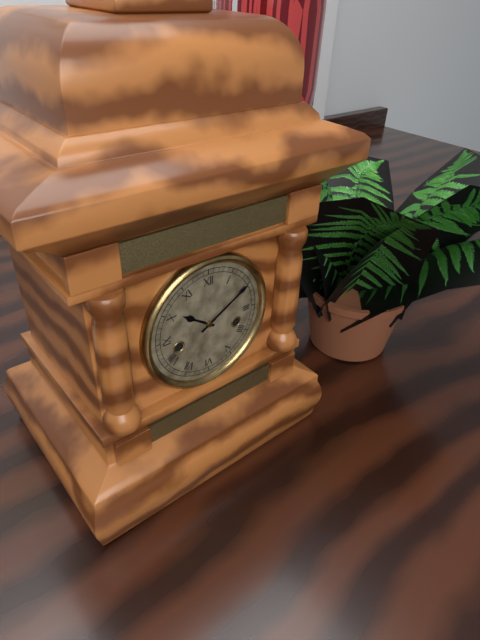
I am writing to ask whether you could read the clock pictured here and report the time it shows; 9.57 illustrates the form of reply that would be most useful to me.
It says 10.10
